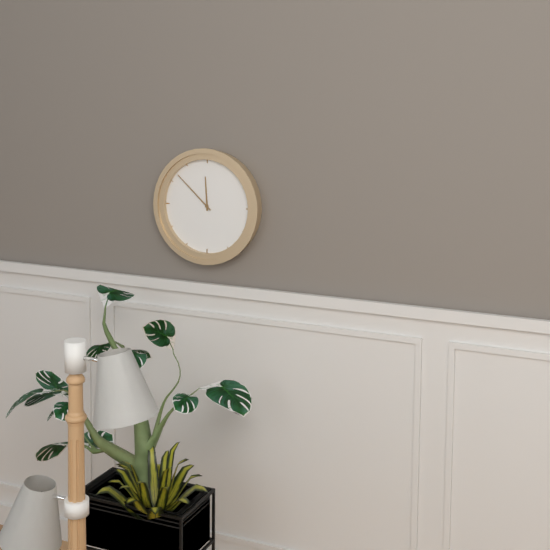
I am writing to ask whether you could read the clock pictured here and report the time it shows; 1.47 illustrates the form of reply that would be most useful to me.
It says 11.52
